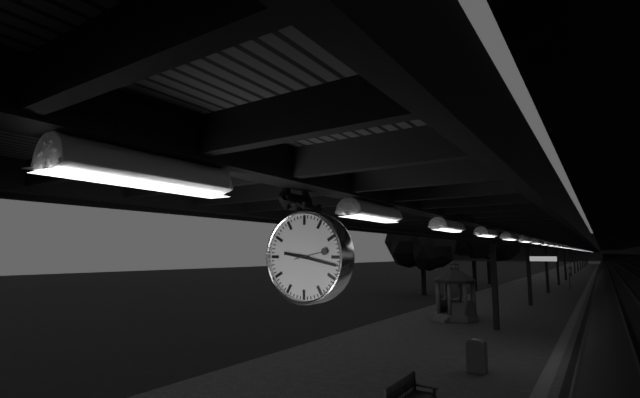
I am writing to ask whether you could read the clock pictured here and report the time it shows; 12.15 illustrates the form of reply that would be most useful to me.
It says 9.17
